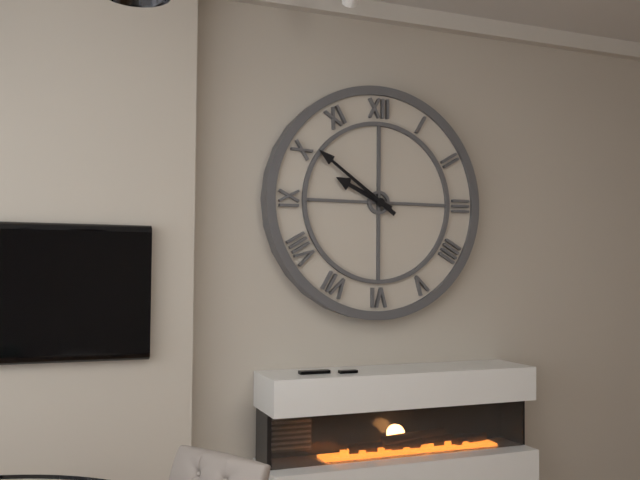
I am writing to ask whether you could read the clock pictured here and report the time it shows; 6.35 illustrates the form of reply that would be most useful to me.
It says 9.51
